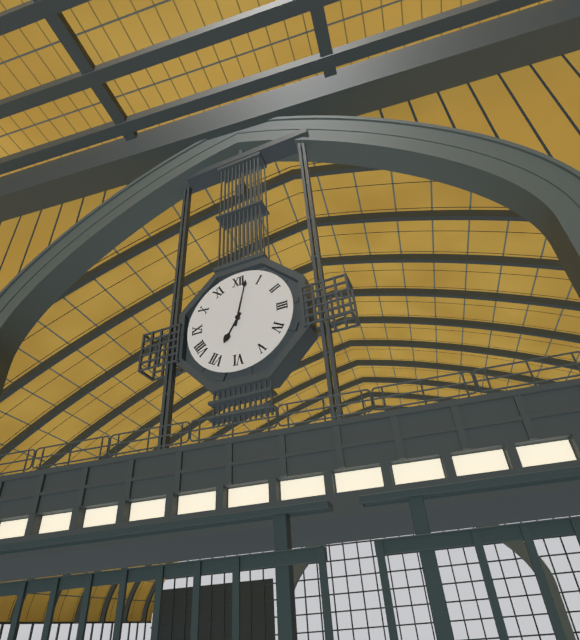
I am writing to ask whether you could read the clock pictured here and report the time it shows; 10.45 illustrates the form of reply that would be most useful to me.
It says 7.02
